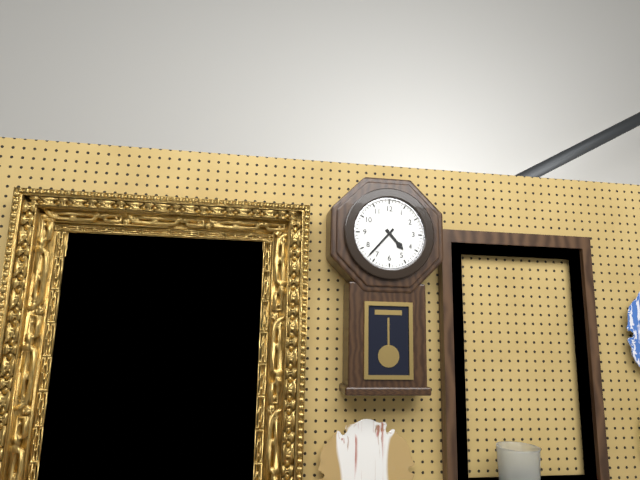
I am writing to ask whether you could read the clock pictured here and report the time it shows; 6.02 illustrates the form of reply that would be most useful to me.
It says 4.37
